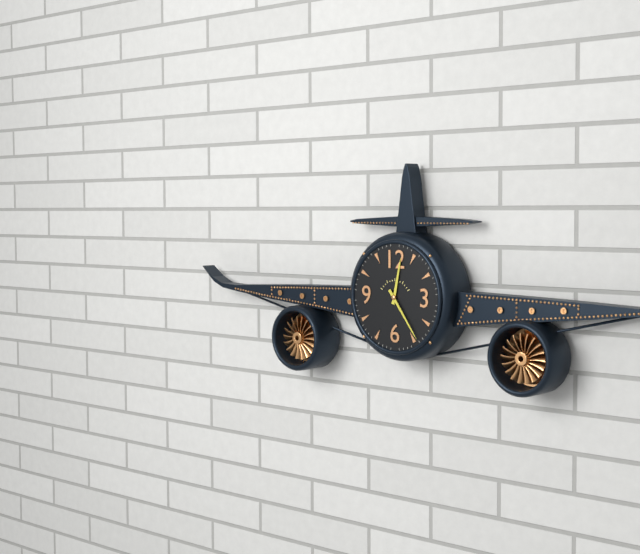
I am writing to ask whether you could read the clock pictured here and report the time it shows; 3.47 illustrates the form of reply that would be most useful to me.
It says 12.24
